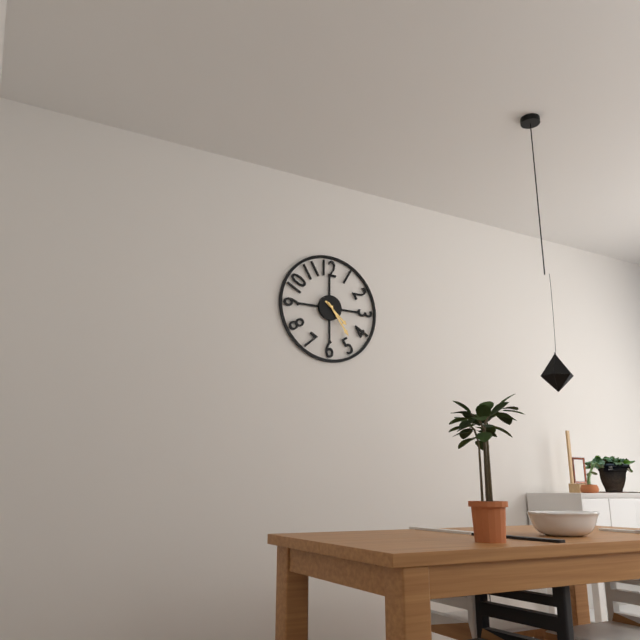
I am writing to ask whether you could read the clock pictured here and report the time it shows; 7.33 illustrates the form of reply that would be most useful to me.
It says 4.24
